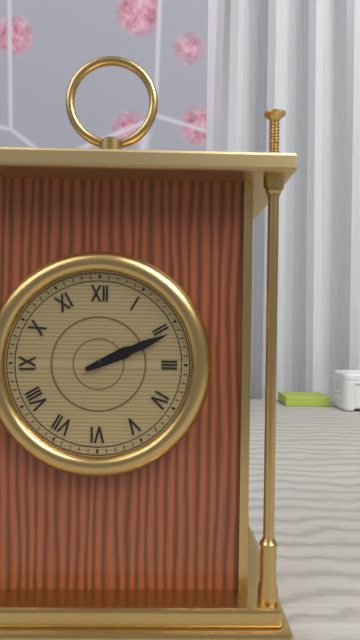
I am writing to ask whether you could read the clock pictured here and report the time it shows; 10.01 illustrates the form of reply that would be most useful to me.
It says 2.11
